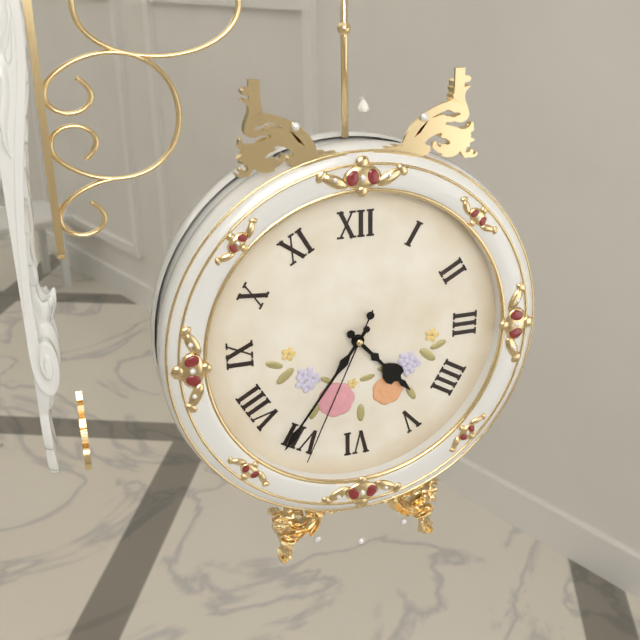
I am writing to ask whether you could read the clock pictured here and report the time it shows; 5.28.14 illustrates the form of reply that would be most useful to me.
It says 4.36.34
